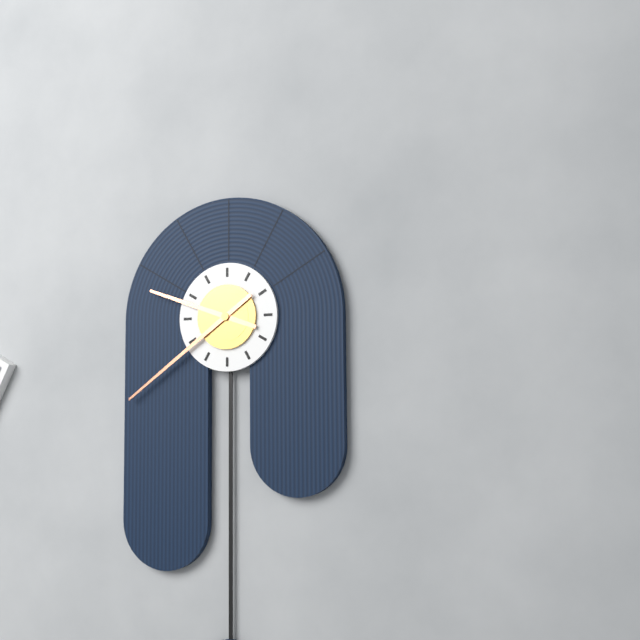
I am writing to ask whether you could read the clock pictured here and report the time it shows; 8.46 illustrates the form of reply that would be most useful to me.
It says 9.39
